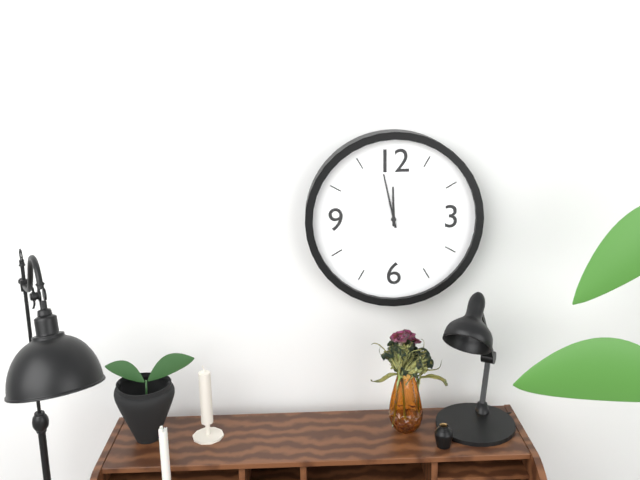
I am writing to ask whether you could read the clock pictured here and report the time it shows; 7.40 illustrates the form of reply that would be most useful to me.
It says 11.58
